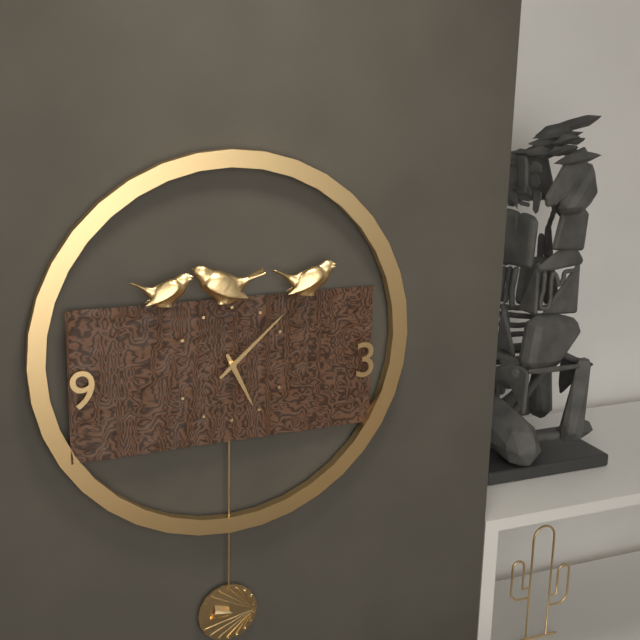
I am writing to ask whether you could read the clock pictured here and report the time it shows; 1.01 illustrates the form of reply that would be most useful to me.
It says 5.08
